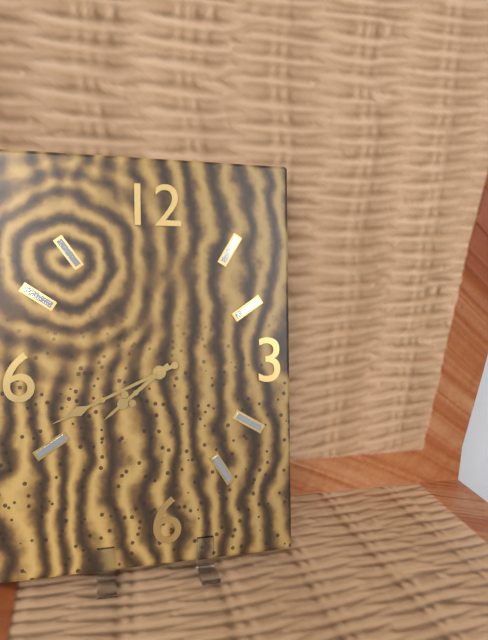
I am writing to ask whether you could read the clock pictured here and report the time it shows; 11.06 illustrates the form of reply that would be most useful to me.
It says 7.41
